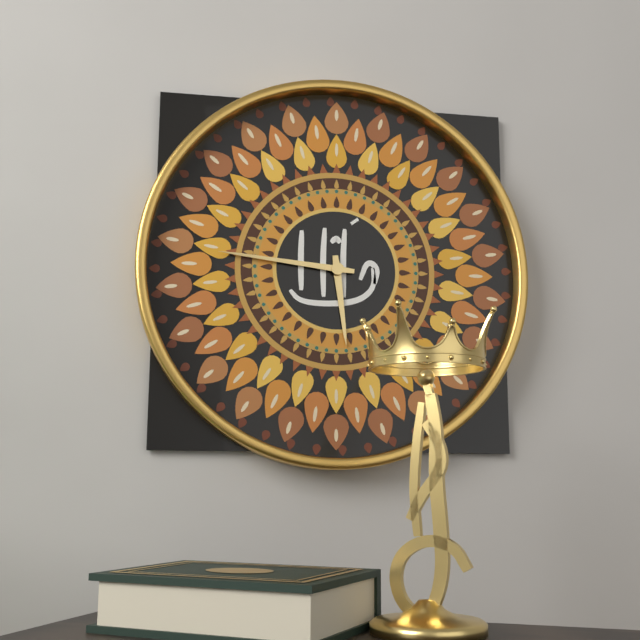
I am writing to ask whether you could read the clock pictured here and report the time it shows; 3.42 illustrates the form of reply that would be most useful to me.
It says 5.46
